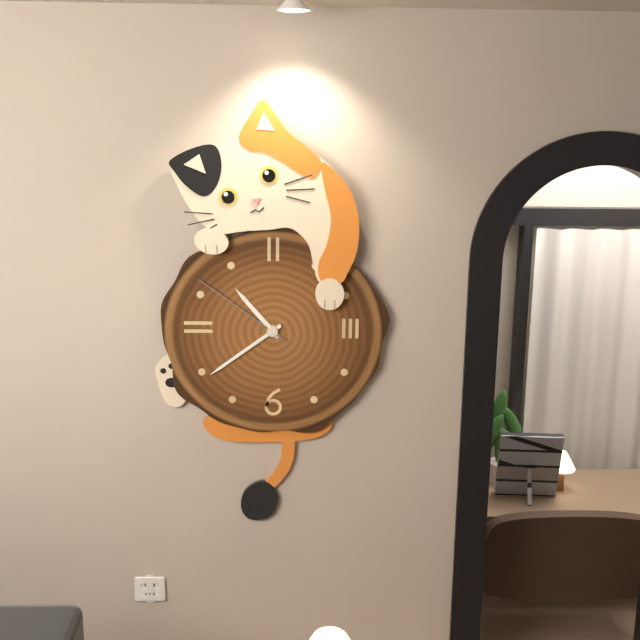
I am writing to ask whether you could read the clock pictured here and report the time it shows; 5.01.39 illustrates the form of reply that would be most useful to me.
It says 10.39.51
